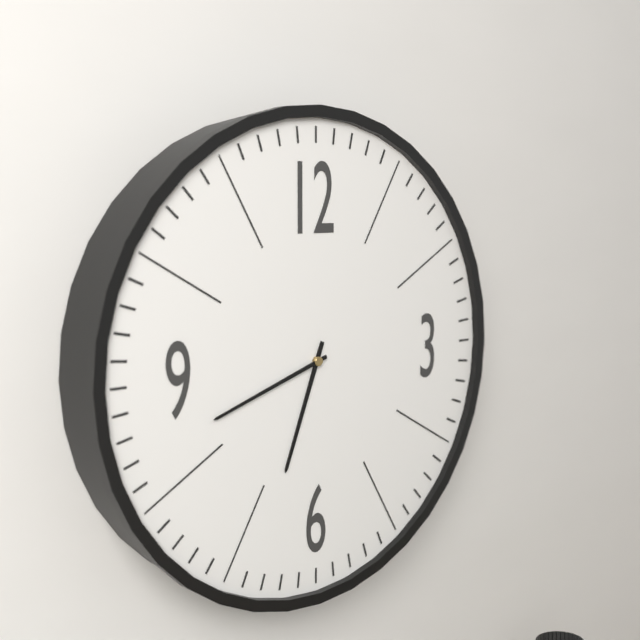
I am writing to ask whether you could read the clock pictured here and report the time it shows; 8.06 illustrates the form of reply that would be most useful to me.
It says 6.42
